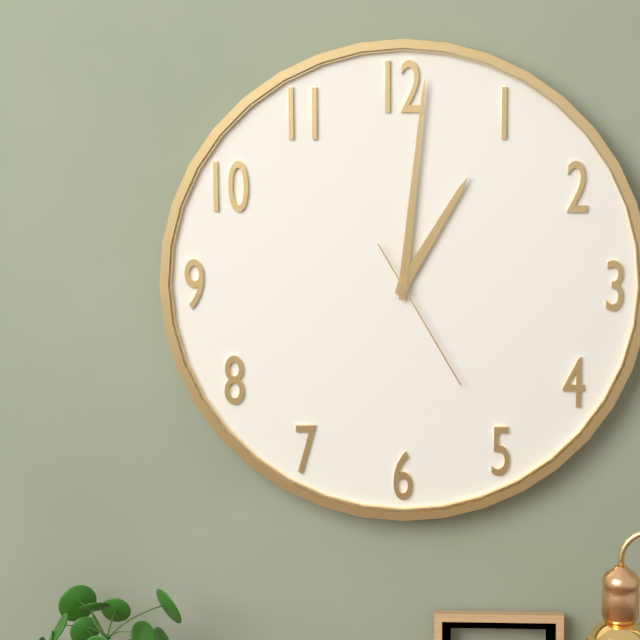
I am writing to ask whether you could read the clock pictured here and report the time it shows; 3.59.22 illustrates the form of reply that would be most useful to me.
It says 1.01.25
